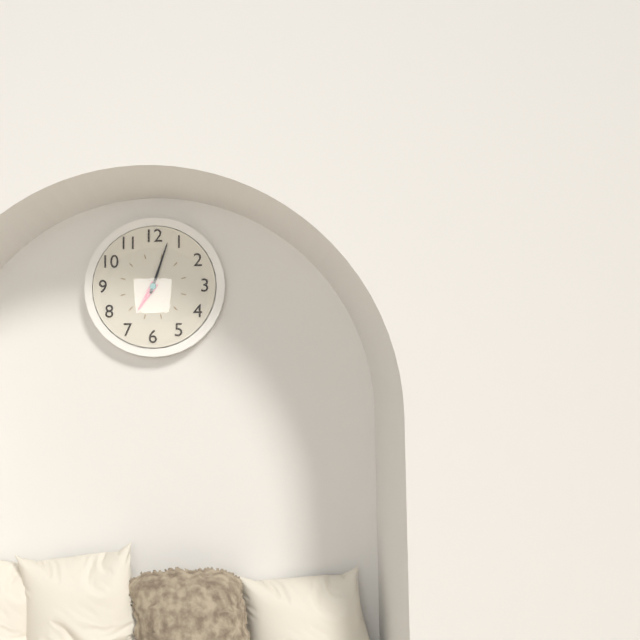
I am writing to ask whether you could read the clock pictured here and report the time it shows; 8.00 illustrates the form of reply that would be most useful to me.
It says 7.03
